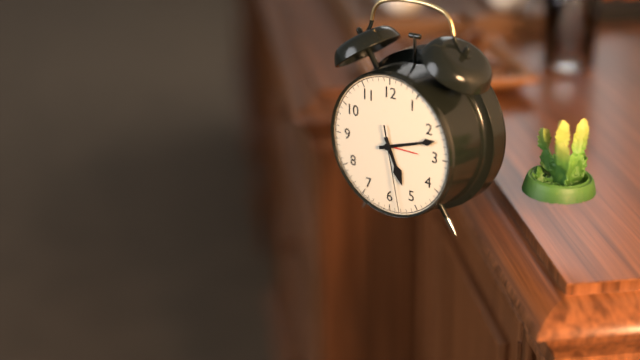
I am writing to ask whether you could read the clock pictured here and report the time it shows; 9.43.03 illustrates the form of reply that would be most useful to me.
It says 5.12.28
